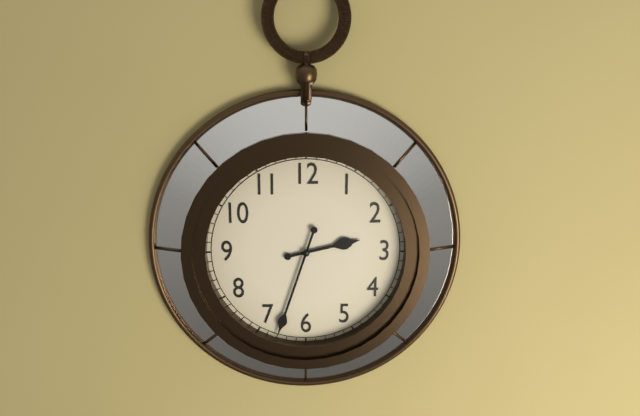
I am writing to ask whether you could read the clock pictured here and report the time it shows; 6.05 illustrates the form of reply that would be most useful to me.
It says 2.33
